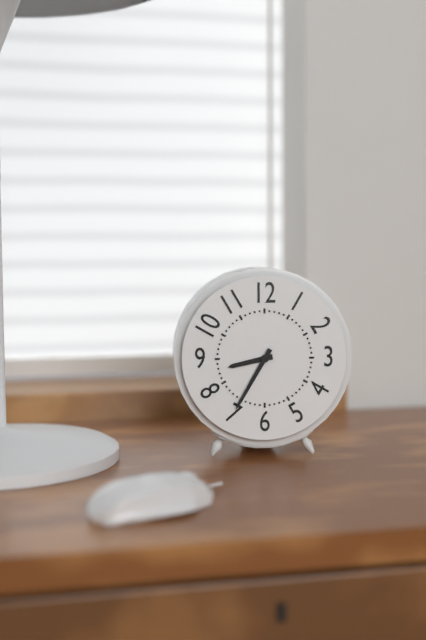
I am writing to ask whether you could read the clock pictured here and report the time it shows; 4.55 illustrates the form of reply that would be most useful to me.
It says 8.35
